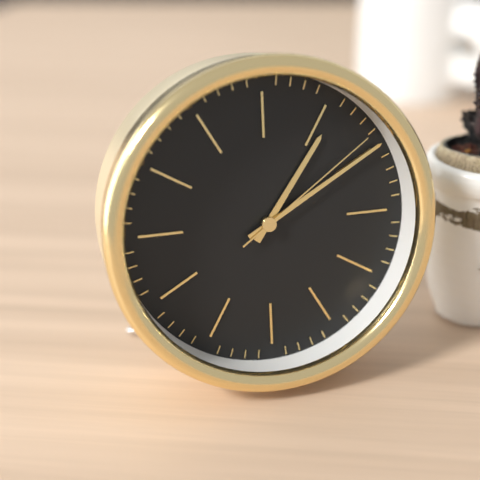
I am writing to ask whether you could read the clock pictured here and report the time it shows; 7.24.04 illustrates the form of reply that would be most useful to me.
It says 1.10.09
